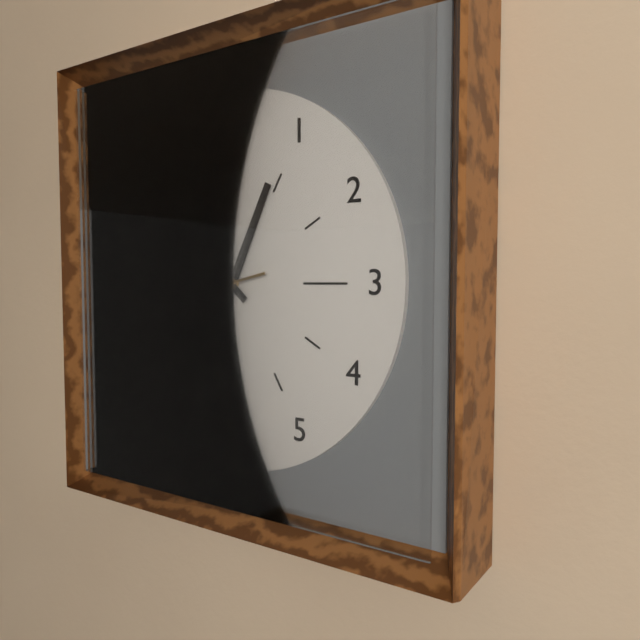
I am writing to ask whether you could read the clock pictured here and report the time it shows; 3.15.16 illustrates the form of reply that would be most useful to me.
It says 12.52.43
